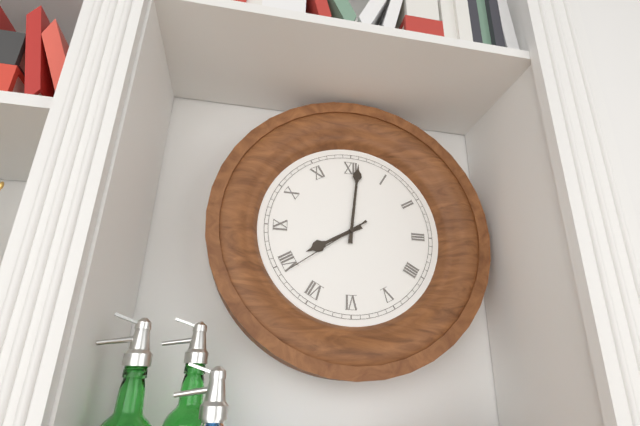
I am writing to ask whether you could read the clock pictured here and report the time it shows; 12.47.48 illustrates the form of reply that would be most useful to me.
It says 8.01.39
